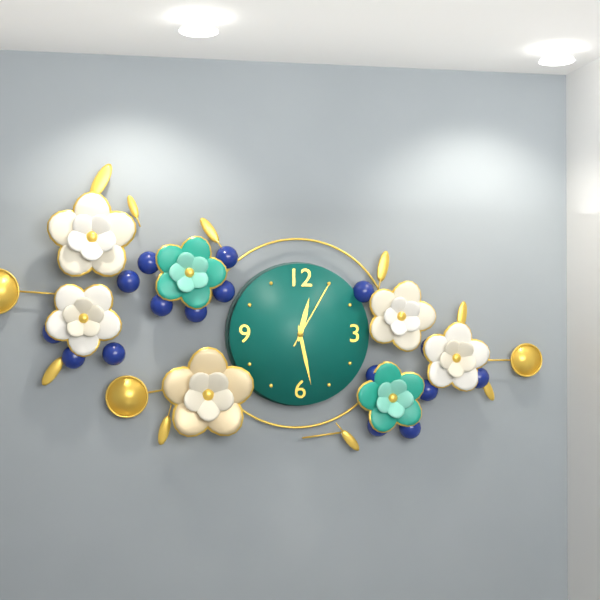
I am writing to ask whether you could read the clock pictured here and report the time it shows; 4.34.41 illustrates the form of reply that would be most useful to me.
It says 12.28.05
